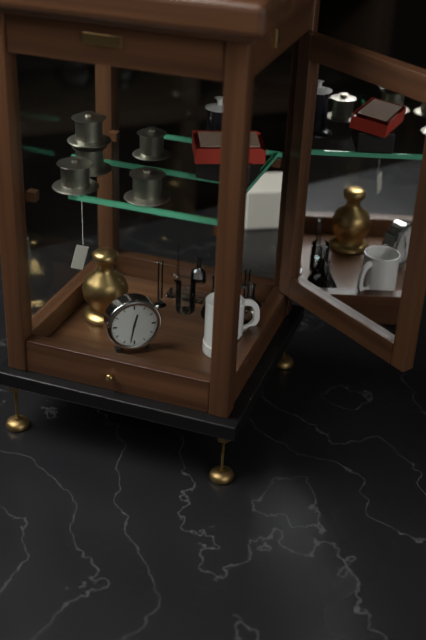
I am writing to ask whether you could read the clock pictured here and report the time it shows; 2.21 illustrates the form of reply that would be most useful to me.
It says 12.32
